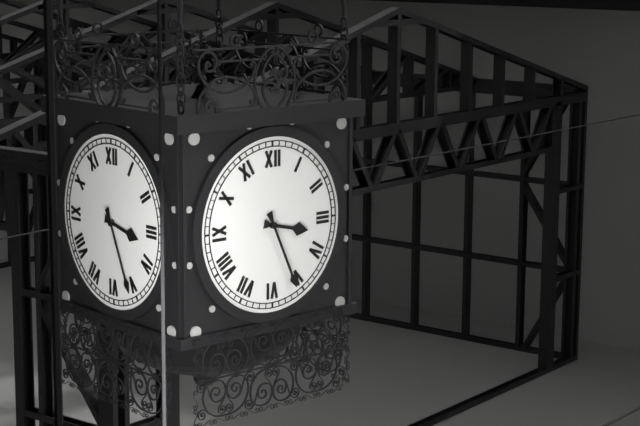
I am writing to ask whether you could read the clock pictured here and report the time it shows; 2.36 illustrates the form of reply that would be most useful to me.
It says 3.26
